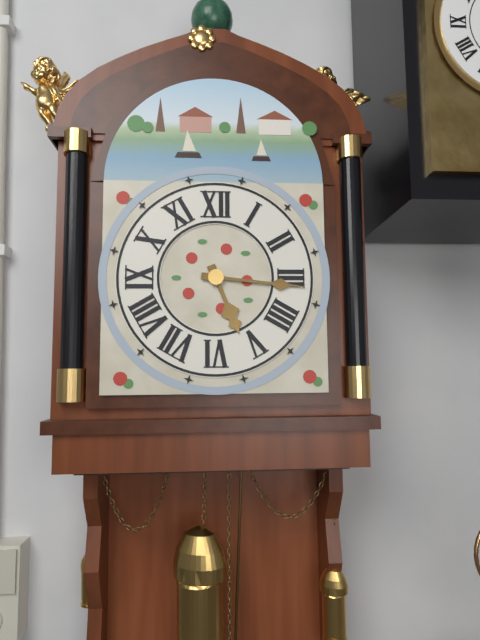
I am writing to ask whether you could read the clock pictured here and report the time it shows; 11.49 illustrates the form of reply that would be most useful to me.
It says 5.16
